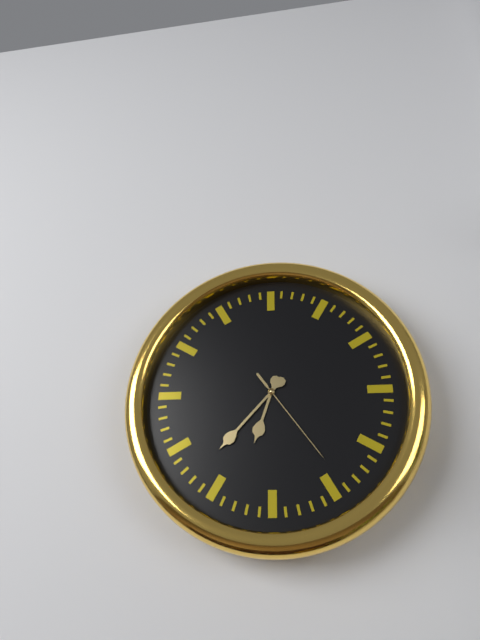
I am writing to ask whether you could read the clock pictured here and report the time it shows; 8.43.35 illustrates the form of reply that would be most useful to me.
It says 6.37.24
